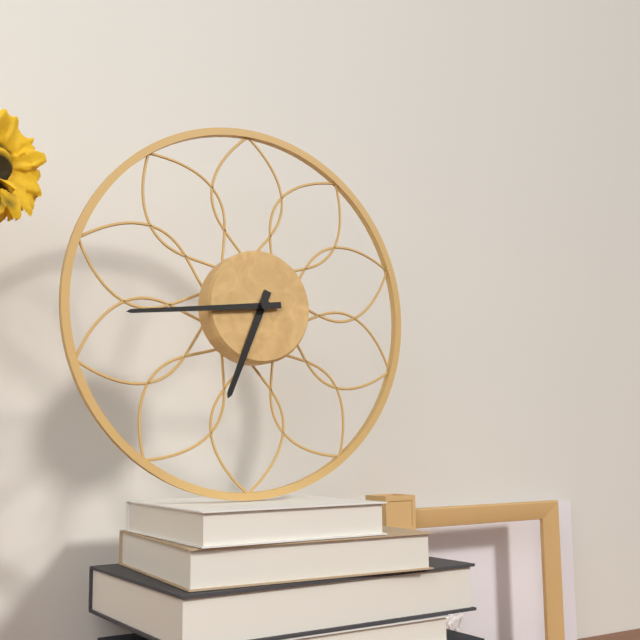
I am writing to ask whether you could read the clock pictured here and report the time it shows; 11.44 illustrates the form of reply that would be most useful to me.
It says 6.44
